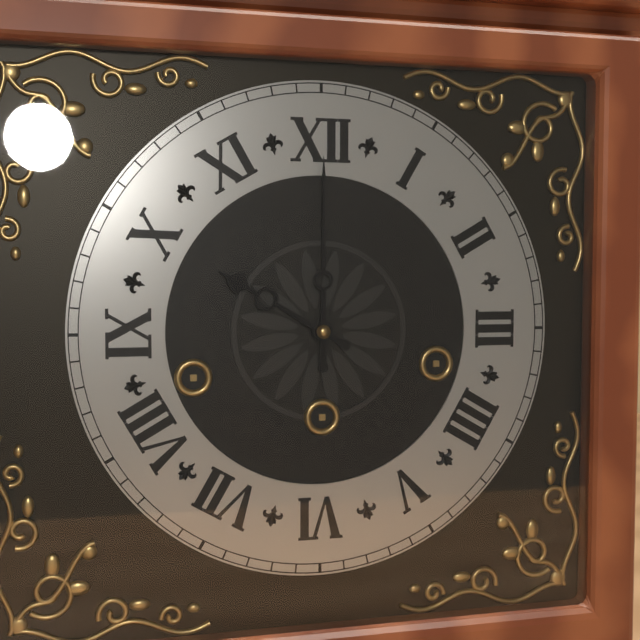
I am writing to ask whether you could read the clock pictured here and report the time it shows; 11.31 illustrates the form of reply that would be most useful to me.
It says 10.00
